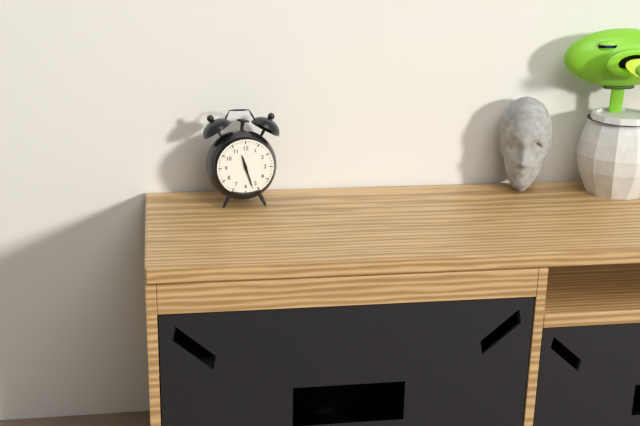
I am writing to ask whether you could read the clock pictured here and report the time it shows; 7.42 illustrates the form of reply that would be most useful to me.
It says 11.27
